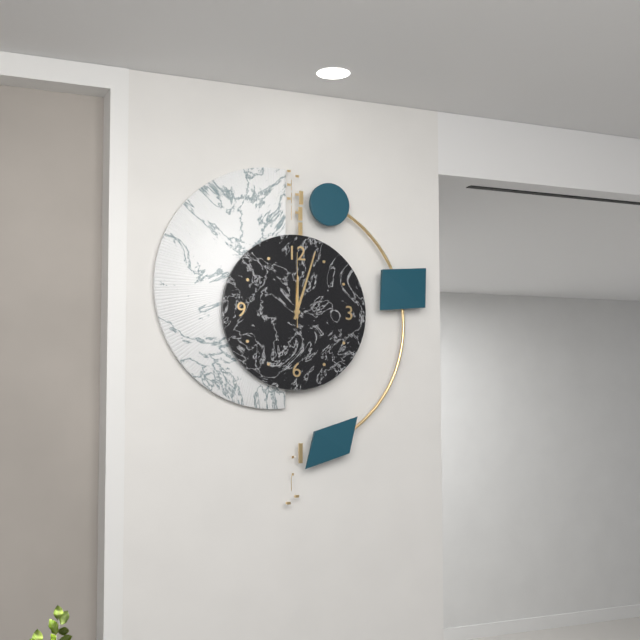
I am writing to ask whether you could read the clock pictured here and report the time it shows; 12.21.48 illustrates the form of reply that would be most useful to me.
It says 12.03.00
